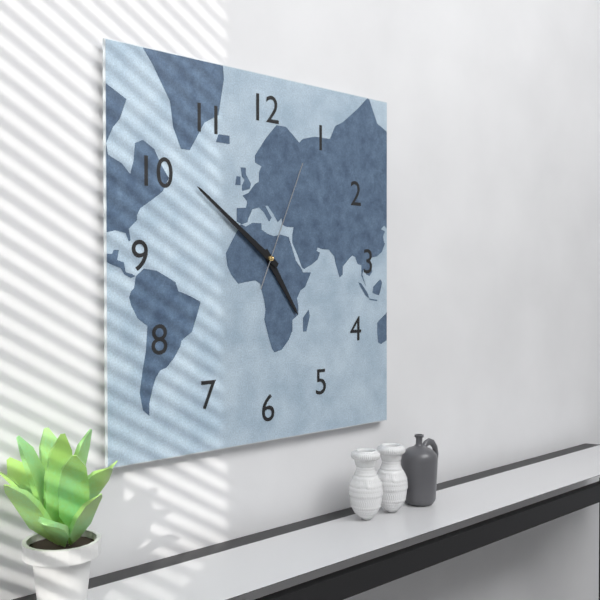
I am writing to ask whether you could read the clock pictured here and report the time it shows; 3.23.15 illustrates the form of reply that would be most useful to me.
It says 4.51.04
